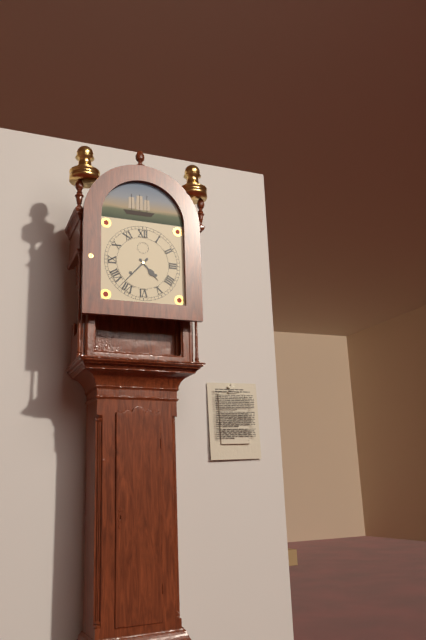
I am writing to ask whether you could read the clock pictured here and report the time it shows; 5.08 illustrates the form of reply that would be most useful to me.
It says 4.37
